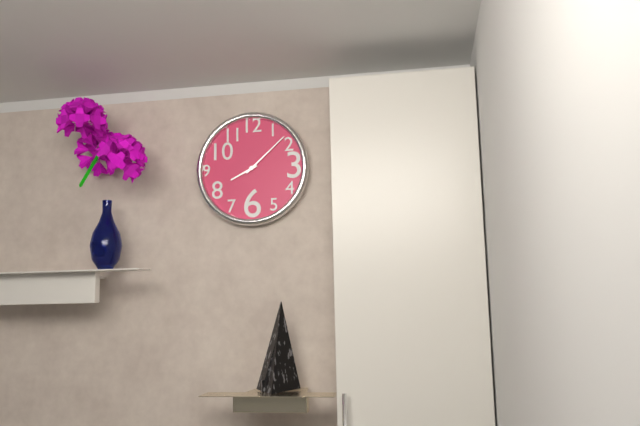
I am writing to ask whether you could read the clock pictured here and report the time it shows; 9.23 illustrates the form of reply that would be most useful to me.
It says 8.08
